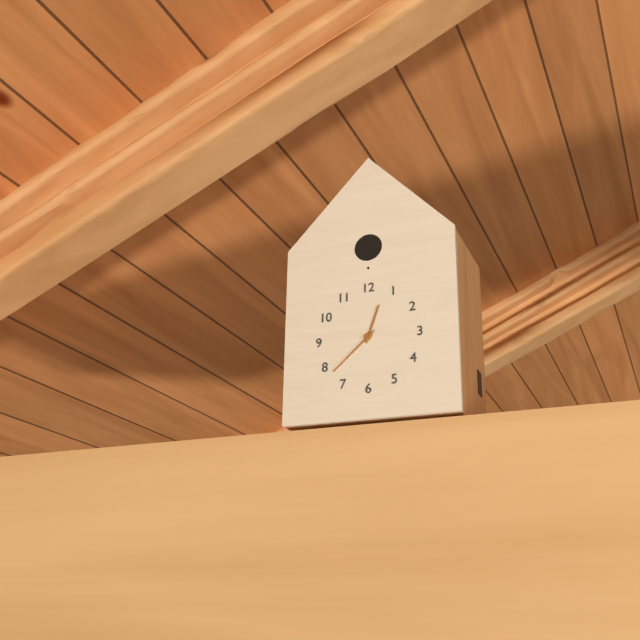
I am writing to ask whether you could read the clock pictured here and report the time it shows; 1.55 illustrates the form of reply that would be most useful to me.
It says 12.38
